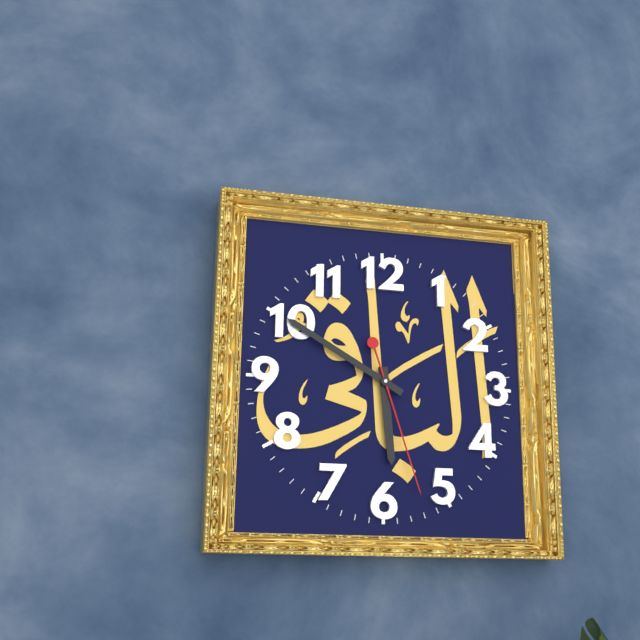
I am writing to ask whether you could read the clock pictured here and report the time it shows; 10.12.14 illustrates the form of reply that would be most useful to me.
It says 5.50.27
